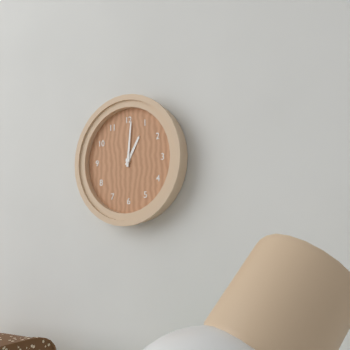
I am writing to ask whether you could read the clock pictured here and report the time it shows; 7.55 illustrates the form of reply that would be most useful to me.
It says 1.01
